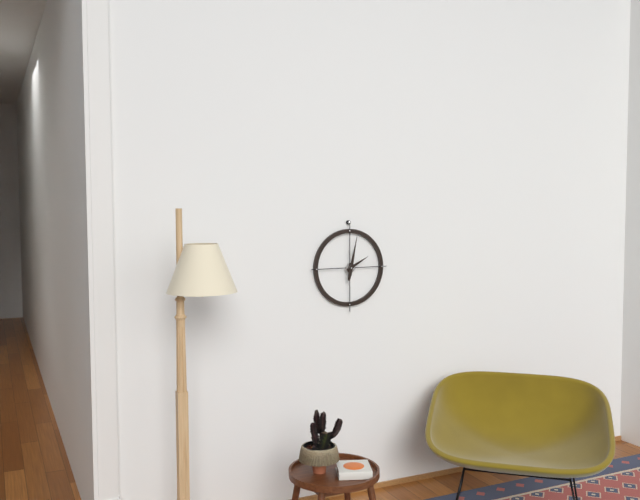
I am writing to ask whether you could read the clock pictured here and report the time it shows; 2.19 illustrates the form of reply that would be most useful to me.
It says 2.02
